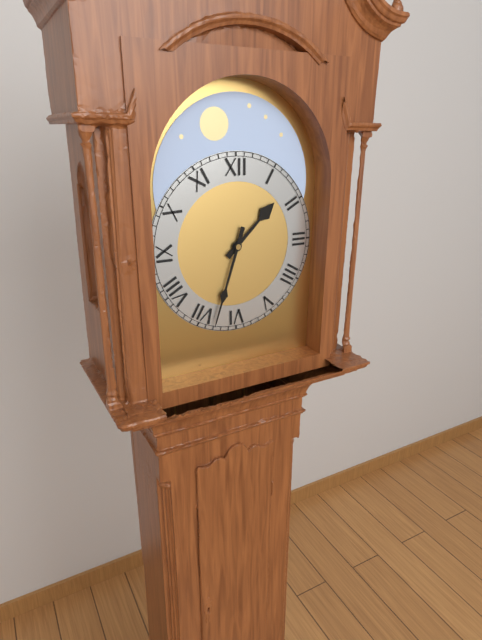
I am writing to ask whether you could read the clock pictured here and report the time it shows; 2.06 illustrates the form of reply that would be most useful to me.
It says 1.33
